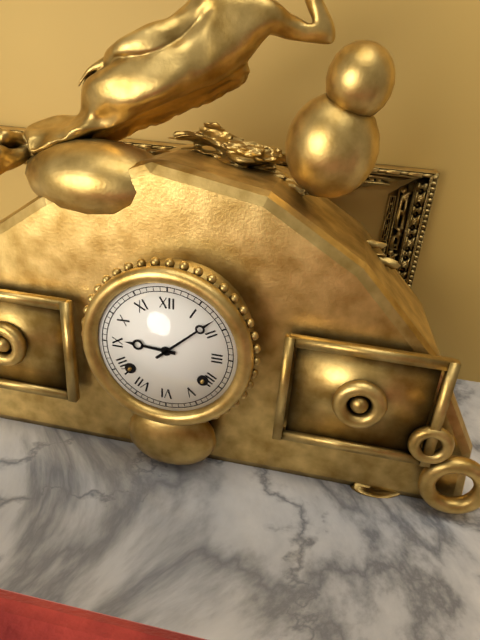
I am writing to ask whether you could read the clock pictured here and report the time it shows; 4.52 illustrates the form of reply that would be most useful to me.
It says 9.08
